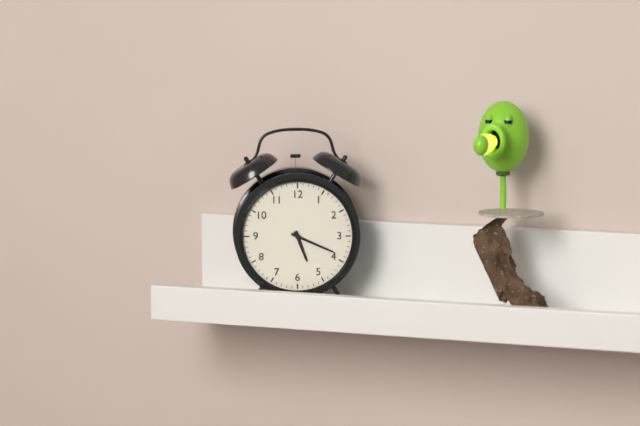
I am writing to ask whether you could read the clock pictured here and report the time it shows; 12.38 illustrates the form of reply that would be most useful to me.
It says 5.19
